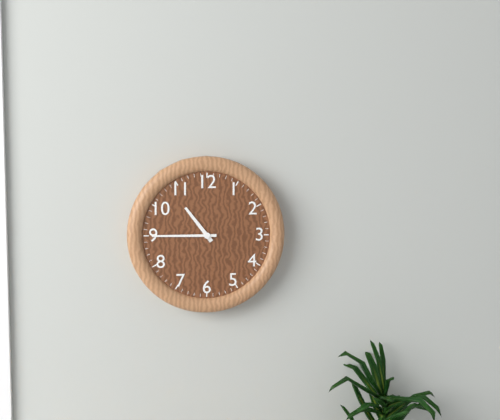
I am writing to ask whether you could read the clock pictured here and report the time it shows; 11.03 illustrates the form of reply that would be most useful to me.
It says 10.45
